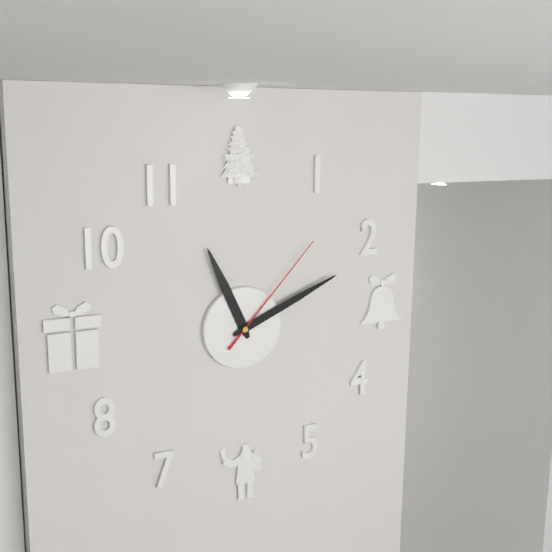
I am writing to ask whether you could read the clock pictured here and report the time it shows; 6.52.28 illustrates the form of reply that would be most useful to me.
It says 11.11.07
